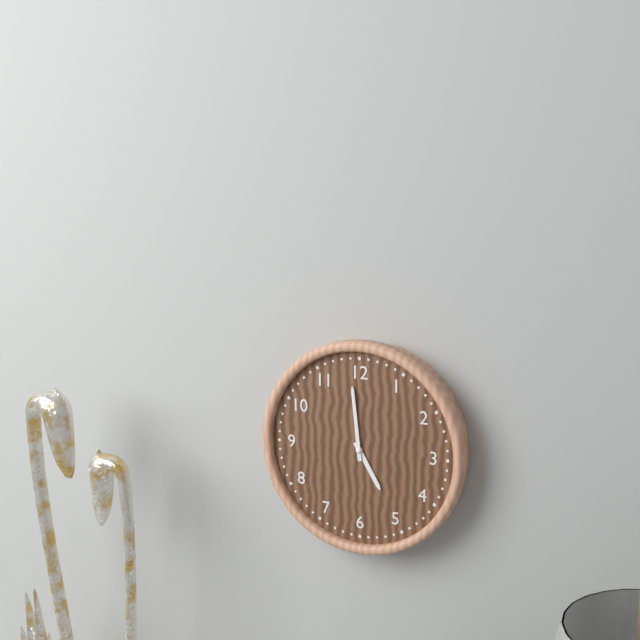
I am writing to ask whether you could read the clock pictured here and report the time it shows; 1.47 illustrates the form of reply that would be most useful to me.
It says 4.59
